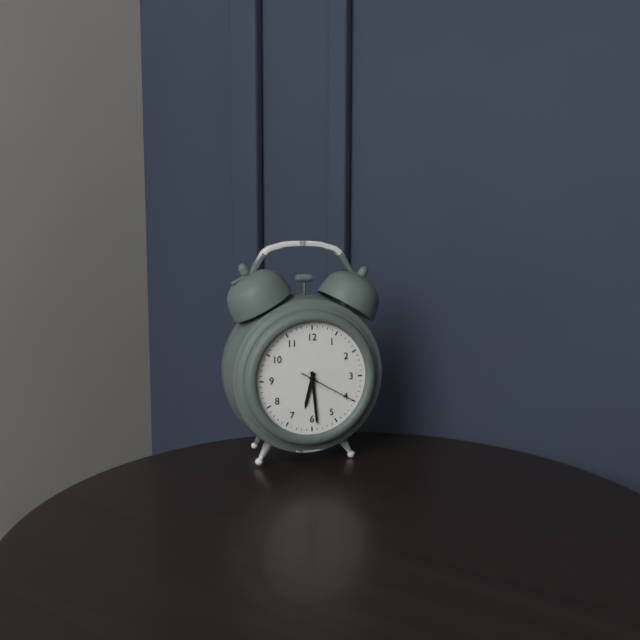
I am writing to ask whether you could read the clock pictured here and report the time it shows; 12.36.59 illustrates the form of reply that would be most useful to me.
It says 6.29.20
